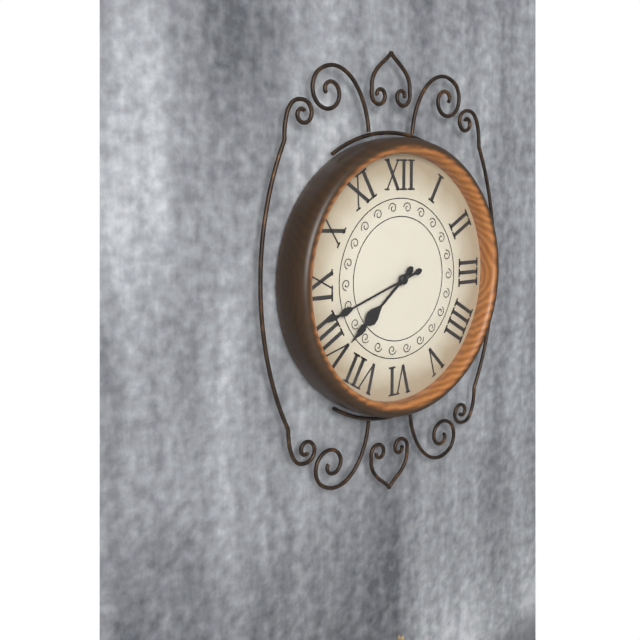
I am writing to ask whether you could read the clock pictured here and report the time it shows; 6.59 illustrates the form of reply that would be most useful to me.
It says 7.42
